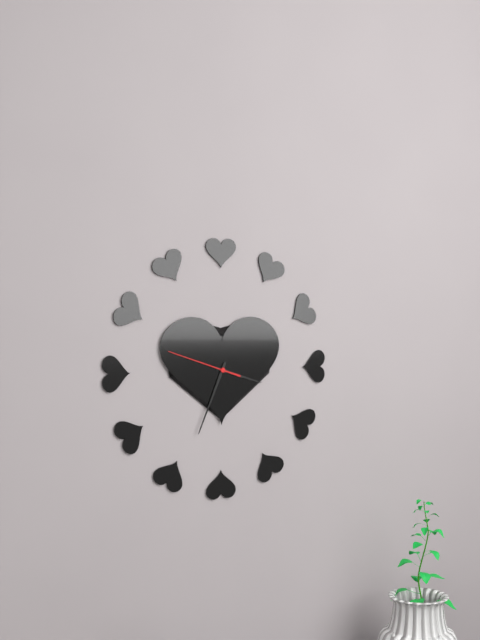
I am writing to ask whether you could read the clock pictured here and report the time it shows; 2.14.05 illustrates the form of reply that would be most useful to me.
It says 3.34.48
